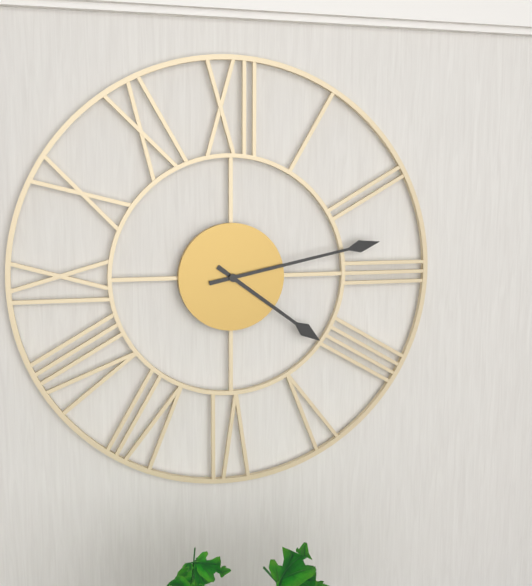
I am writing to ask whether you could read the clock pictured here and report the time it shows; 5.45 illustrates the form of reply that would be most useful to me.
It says 4.13
